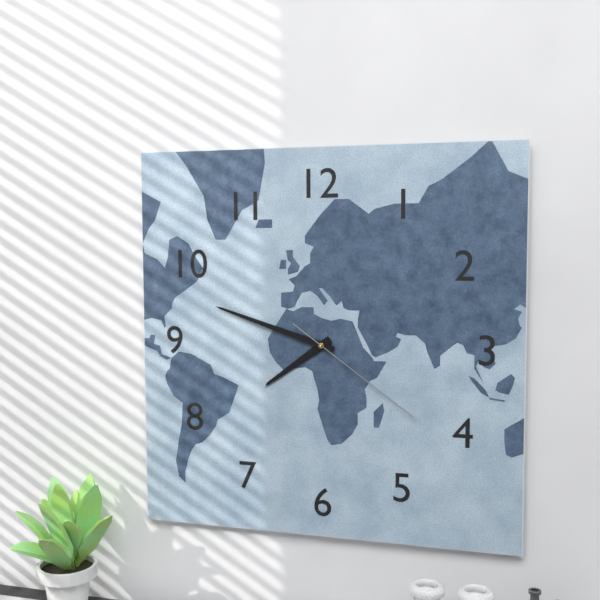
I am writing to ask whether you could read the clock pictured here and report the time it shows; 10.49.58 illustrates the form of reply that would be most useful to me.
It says 7.48.21
